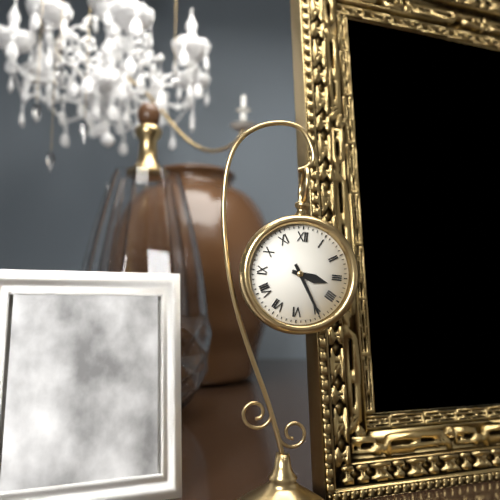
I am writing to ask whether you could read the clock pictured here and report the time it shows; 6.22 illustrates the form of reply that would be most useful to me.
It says 3.25
